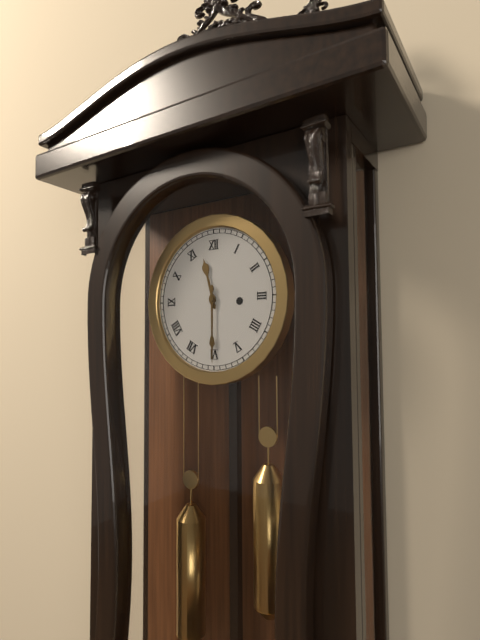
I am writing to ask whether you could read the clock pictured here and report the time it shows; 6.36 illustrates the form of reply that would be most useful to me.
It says 11.30
